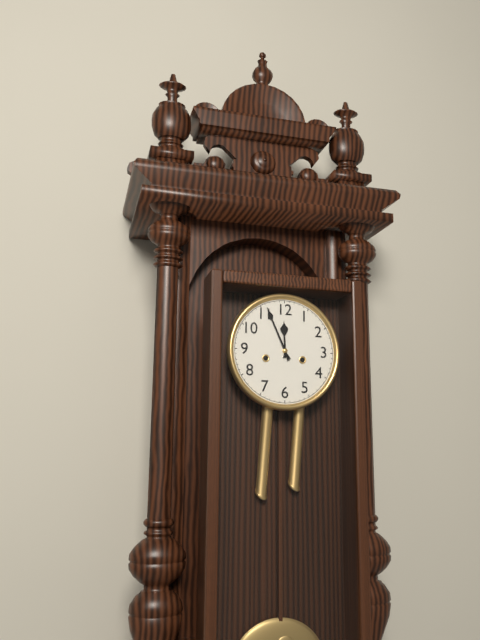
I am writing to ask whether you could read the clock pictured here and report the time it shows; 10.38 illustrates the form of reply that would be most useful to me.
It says 11.56
